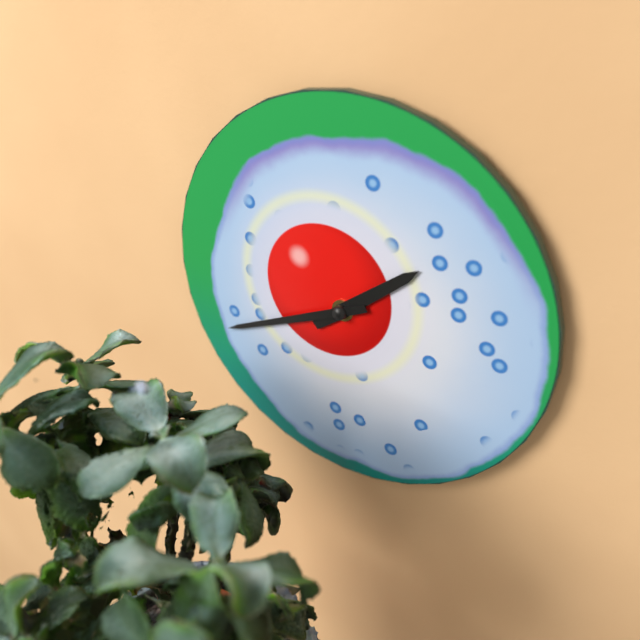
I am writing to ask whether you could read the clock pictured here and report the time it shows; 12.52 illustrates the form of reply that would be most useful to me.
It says 1.41
